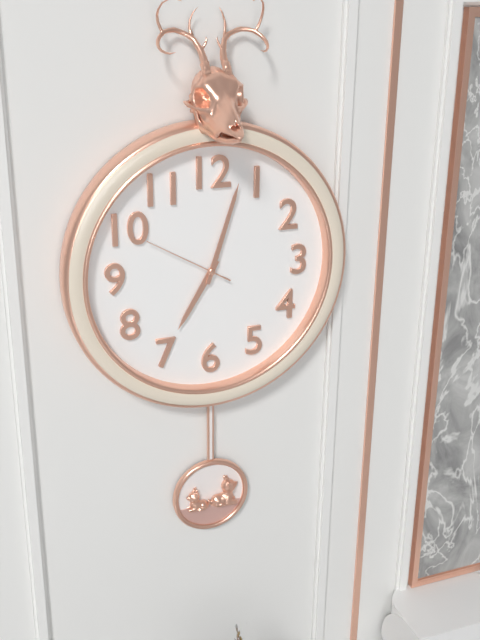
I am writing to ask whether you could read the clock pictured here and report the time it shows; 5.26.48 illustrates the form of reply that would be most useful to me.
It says 7.03.50
